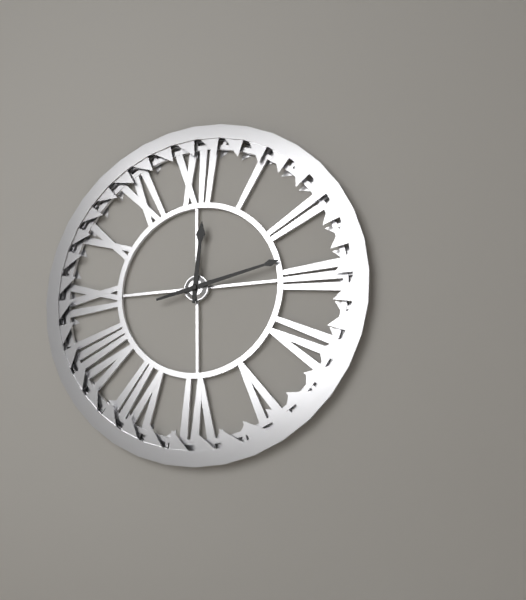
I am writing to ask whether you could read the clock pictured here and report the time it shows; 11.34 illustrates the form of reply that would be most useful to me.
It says 12.13
